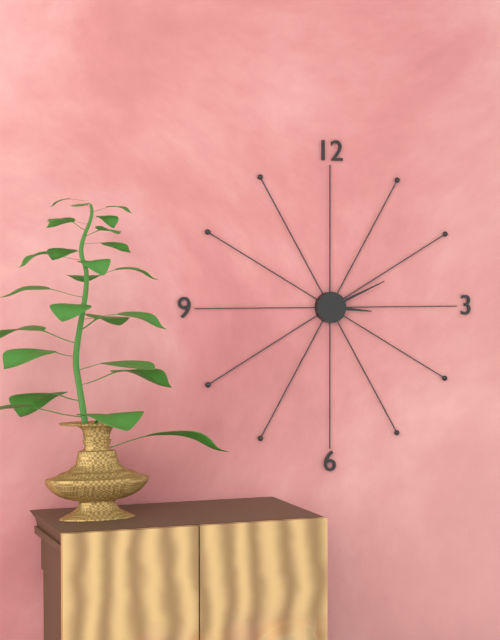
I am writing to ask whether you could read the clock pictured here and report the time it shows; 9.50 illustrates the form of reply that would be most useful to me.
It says 3.11
